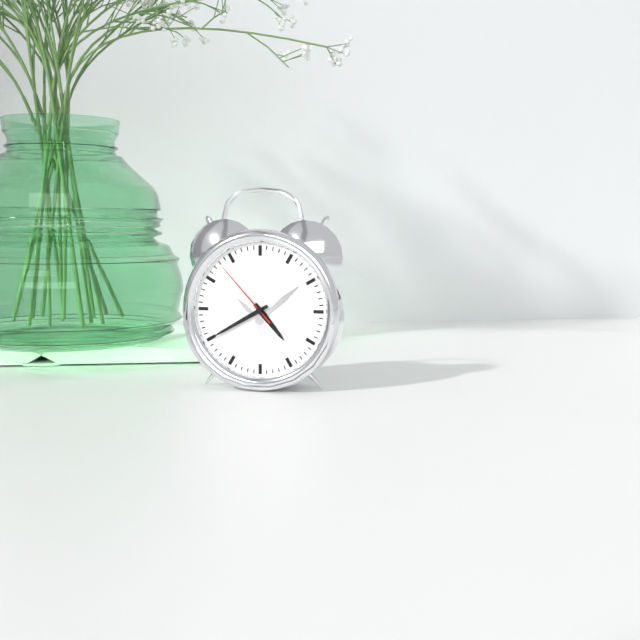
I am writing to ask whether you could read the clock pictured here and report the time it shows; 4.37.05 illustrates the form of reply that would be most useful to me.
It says 4.40.53
